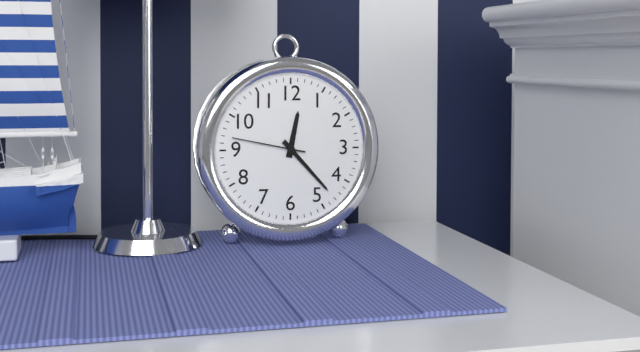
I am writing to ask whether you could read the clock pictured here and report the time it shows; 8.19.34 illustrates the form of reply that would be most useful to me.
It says 12.23.47
